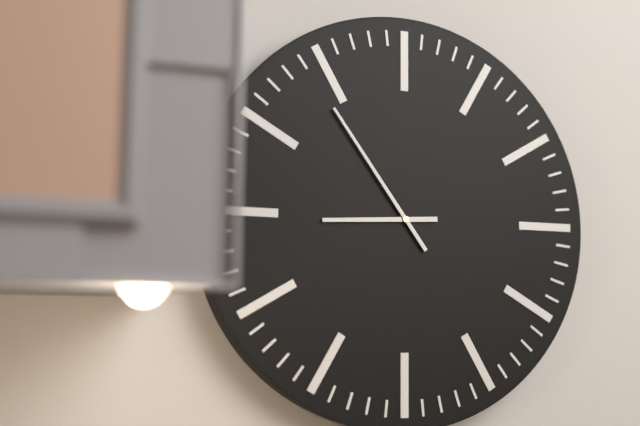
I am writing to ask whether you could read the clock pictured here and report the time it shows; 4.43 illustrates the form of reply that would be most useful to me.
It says 8.54
